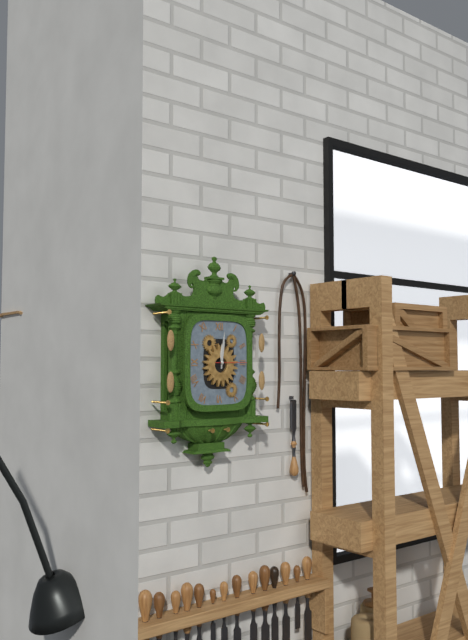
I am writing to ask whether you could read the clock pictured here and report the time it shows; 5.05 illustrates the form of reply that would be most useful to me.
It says 12.01
